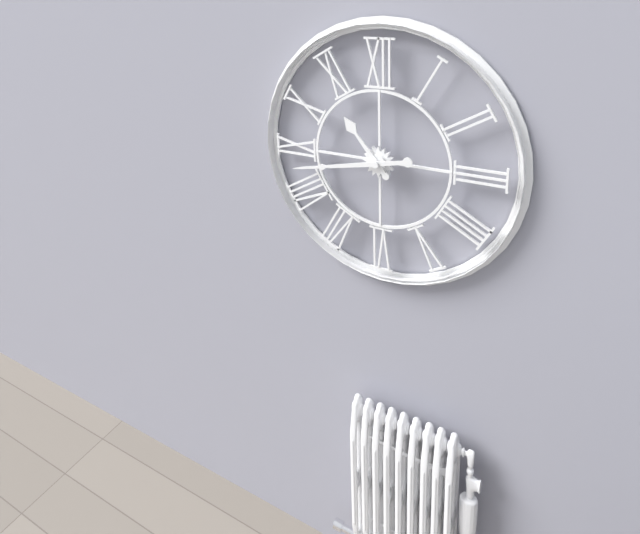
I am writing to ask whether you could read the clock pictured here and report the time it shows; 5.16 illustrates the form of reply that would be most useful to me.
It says 10.43
